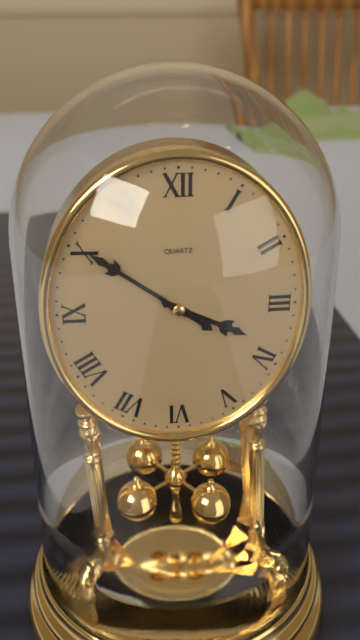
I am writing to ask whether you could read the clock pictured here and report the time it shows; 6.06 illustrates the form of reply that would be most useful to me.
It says 3.51
